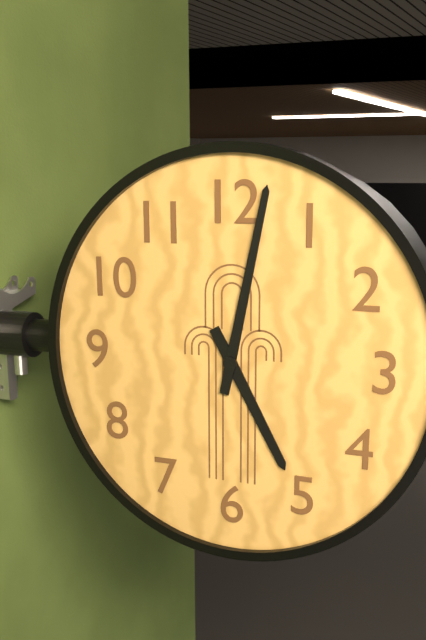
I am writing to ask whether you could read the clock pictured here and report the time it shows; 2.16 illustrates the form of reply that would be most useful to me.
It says 5.02
